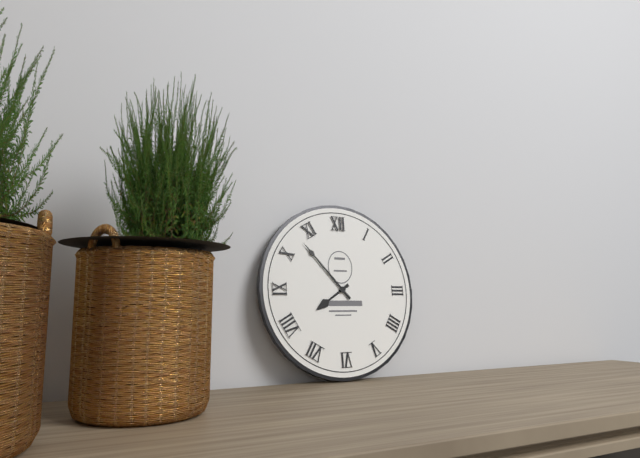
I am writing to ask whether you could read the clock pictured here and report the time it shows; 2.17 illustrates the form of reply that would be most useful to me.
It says 7.53
